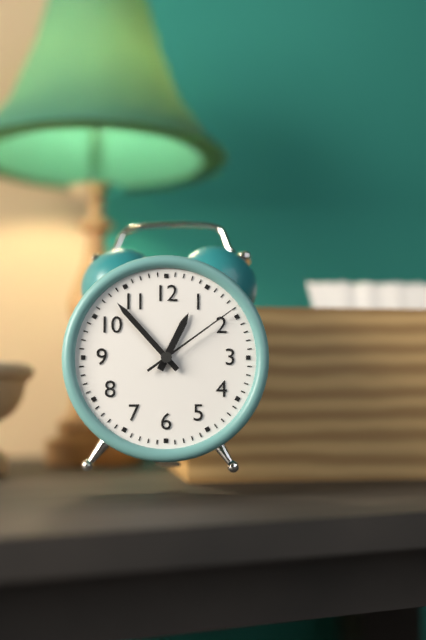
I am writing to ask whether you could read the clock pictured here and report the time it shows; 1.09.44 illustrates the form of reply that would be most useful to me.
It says 12.53.09
